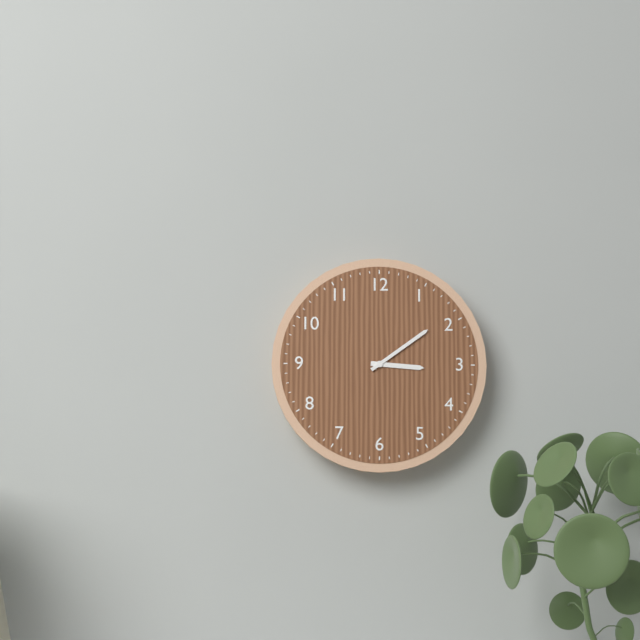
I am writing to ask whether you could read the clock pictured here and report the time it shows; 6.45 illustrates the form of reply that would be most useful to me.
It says 3.09
